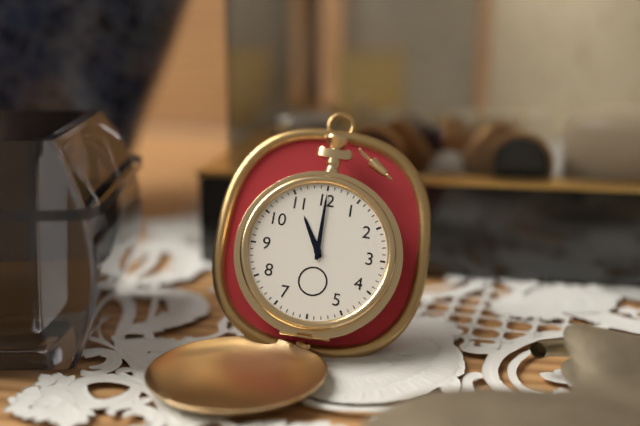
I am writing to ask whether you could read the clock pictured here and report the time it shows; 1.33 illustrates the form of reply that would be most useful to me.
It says 11.00
